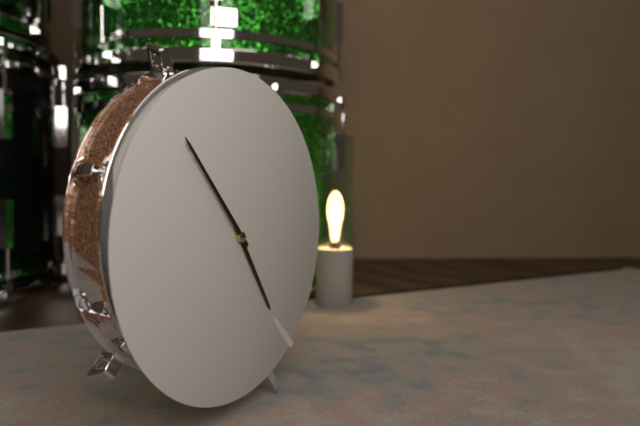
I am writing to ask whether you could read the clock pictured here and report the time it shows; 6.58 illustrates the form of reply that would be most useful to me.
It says 4.53
